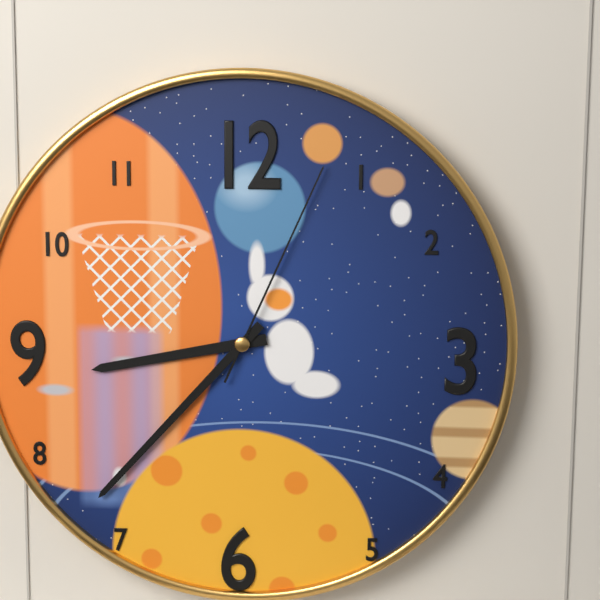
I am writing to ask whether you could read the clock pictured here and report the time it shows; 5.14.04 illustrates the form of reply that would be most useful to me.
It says 8.37.04
